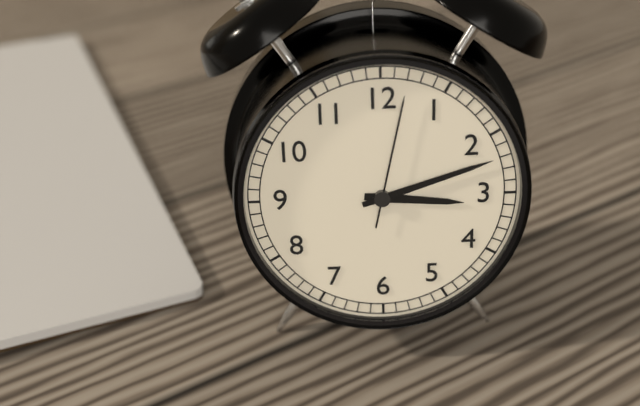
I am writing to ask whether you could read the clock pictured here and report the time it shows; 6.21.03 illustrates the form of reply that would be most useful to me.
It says 3.12.02
